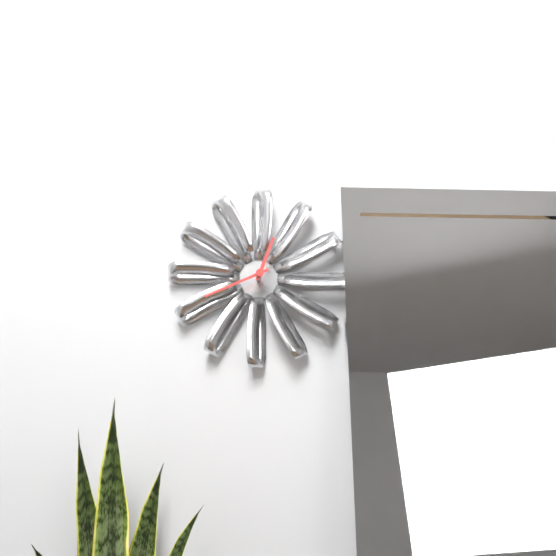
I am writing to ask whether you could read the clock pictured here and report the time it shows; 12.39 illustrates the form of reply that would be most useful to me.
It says 12.41
